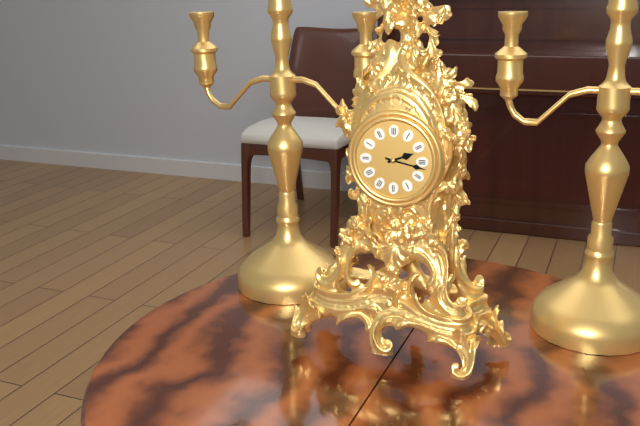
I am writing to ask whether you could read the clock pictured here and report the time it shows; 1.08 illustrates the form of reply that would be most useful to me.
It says 2.17
